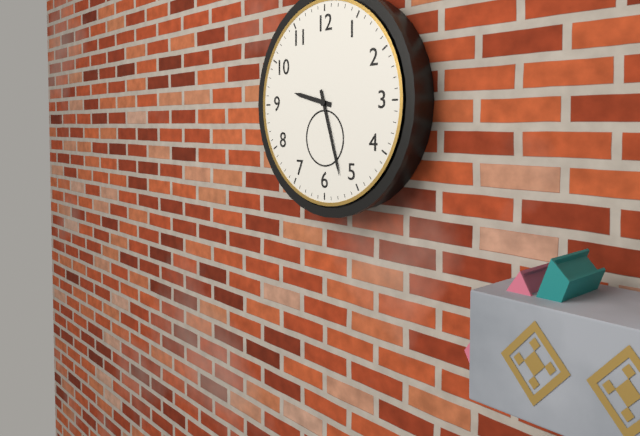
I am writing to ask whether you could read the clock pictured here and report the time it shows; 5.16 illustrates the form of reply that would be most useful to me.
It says 9.27
